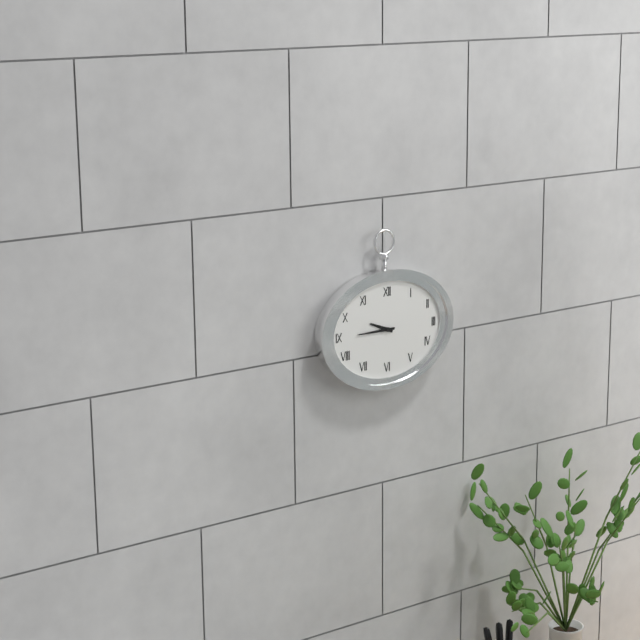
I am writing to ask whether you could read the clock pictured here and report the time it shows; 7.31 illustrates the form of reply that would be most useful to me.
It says 9.45
